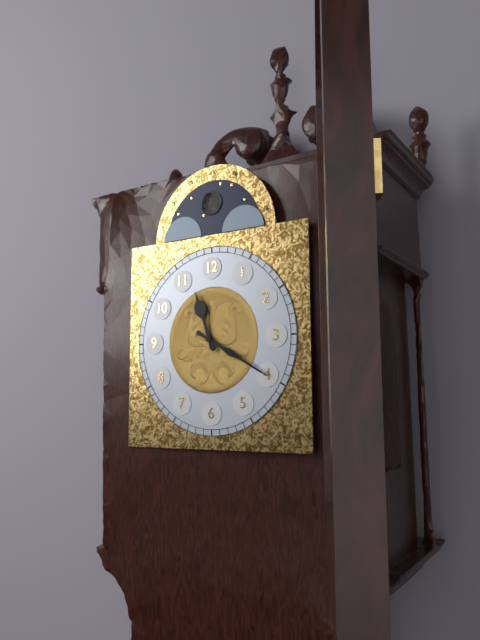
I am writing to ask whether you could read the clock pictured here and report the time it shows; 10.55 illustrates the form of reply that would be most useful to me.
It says 11.20
